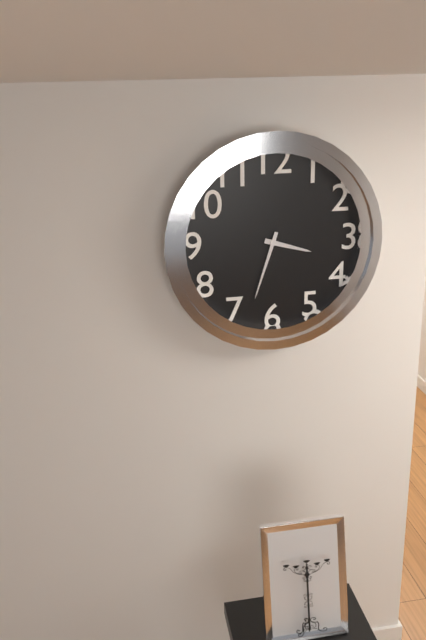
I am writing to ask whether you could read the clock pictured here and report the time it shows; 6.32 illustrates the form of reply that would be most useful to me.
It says 3.33
